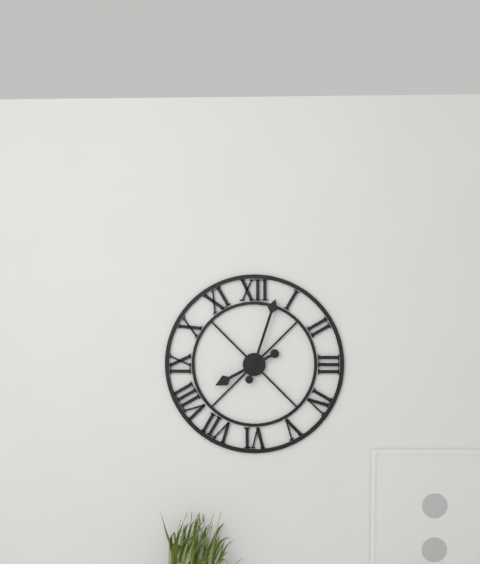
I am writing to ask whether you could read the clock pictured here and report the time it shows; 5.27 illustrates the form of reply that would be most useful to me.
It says 8.03
